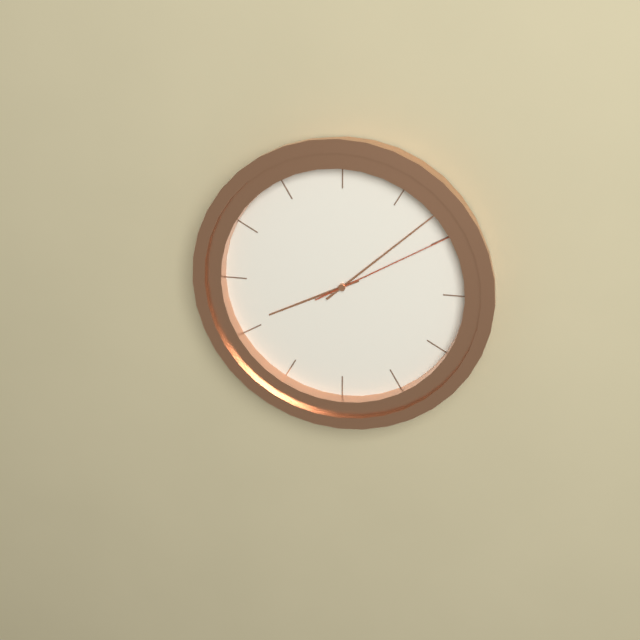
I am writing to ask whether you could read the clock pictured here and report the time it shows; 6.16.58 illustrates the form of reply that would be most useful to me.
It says 8.08.10
